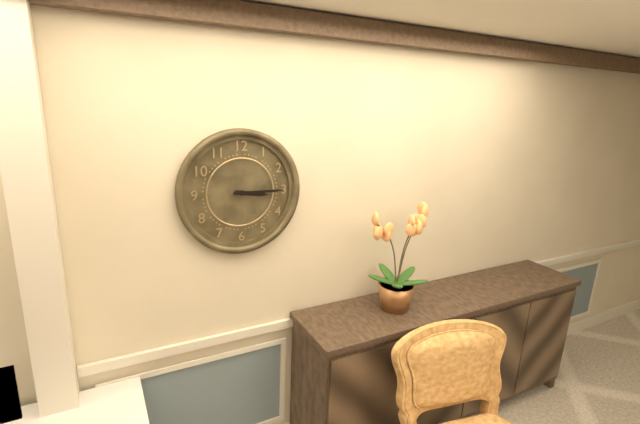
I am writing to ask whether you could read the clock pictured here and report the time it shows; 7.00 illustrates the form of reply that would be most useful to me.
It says 3.15
